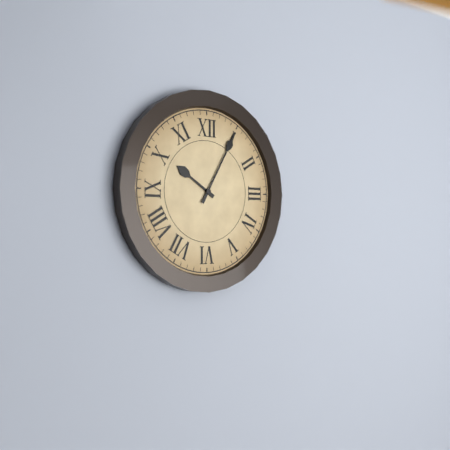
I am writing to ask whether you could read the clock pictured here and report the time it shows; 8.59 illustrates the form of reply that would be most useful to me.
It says 10.05
